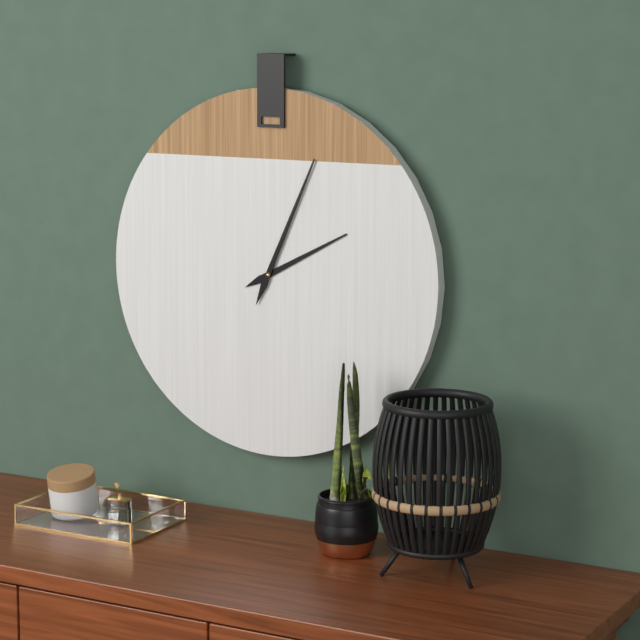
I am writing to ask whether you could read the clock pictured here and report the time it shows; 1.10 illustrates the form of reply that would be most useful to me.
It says 2.04
